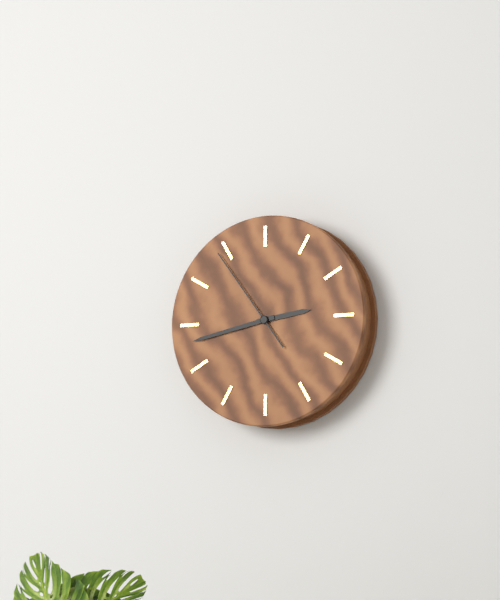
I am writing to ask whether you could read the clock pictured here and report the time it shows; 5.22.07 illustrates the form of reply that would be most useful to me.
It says 2.43.54
